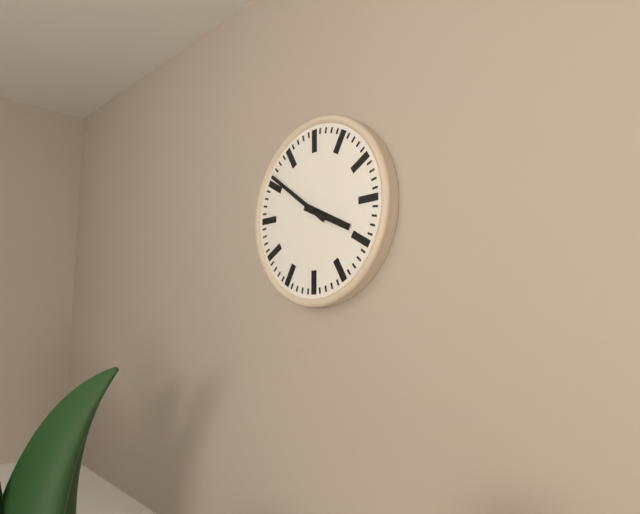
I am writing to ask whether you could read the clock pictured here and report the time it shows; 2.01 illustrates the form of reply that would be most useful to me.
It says 3.51
